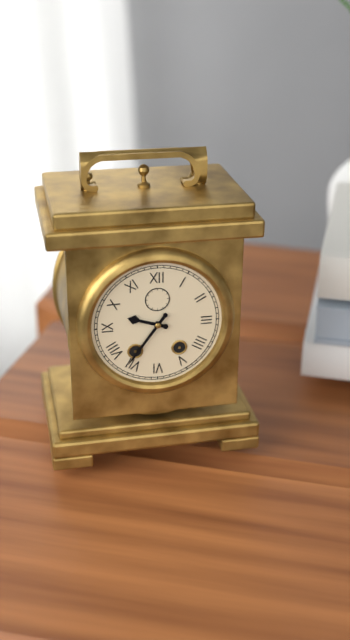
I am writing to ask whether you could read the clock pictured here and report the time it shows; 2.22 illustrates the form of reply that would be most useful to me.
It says 9.36
